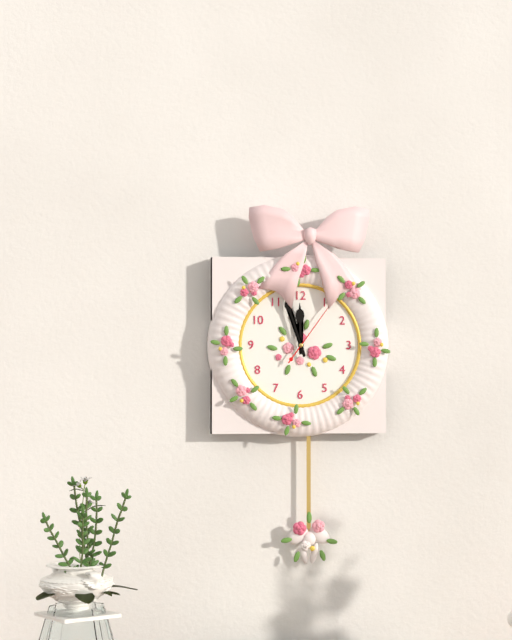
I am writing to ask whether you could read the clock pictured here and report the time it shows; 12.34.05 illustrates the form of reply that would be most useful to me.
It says 11.57.06
